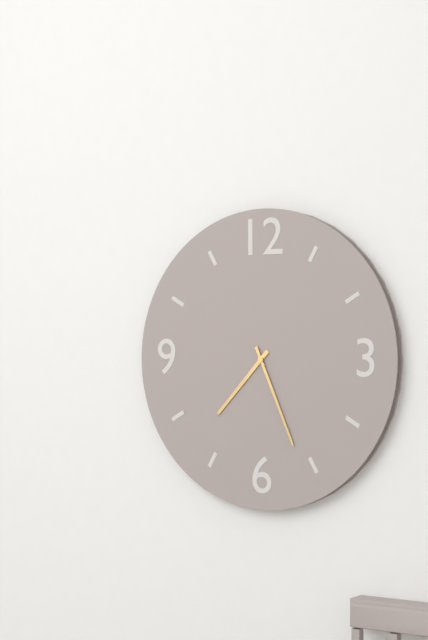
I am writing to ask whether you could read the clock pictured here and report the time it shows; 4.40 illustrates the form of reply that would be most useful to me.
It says 7.26
